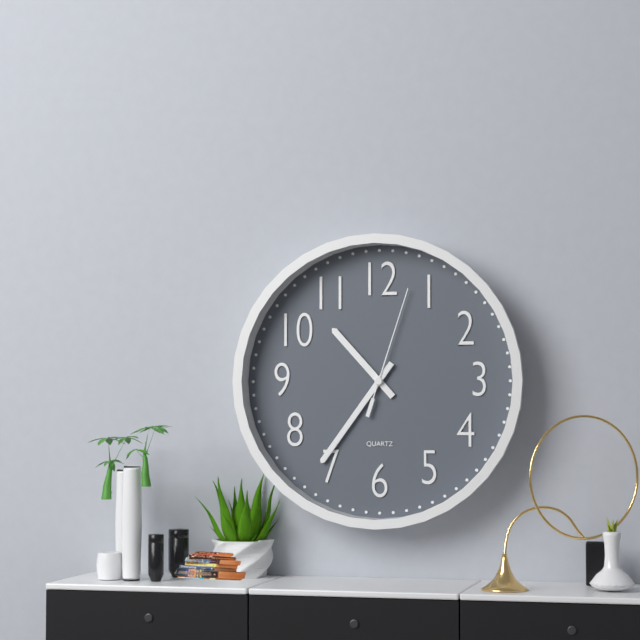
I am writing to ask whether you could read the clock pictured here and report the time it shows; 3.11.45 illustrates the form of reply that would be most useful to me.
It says 10.36.03
